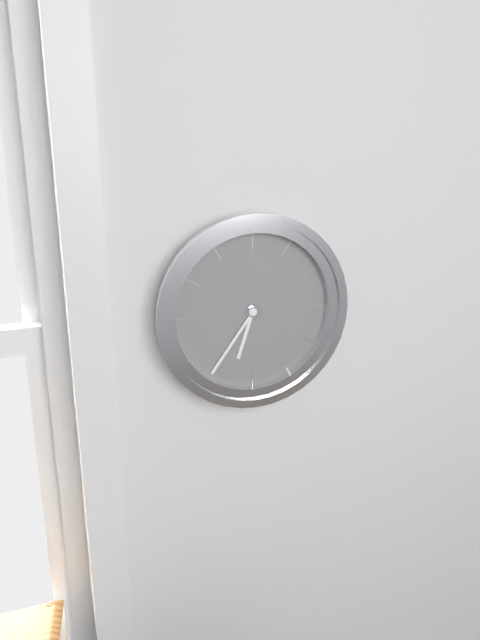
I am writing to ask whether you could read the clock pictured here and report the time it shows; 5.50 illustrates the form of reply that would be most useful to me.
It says 6.36
